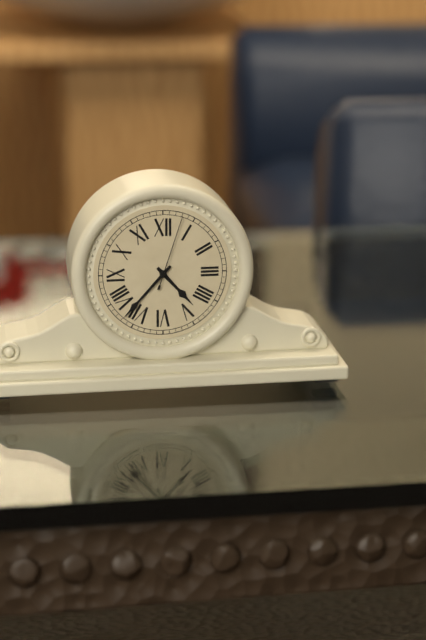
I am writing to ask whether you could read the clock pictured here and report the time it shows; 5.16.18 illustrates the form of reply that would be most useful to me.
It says 4.37.03
